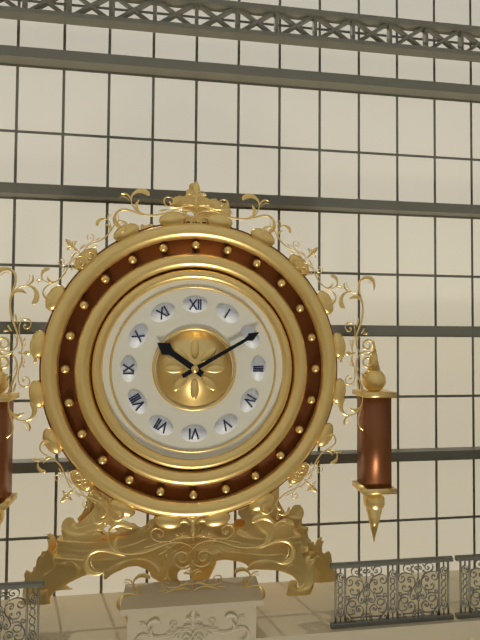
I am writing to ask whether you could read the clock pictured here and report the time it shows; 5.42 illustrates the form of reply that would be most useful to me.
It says 10.10
